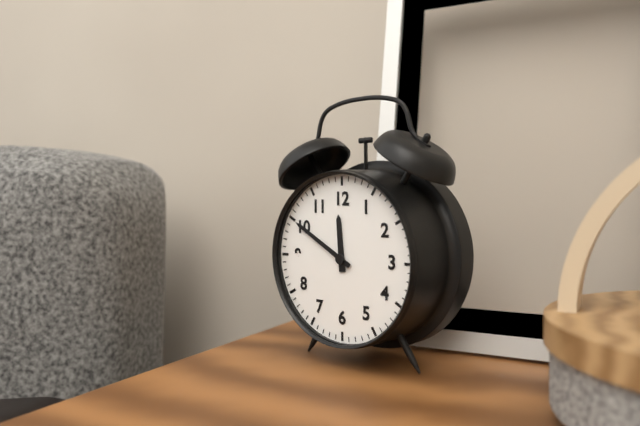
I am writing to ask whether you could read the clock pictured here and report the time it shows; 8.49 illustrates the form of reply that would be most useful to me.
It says 11.50
